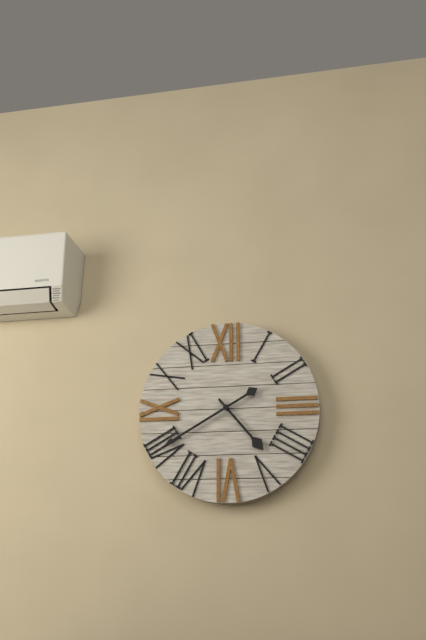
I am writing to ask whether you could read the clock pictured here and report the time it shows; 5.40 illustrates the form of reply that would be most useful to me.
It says 4.40
